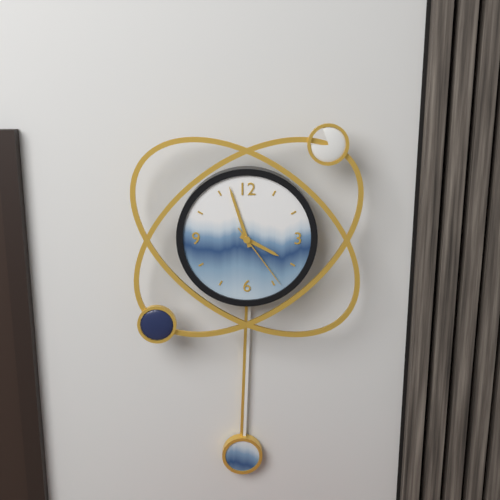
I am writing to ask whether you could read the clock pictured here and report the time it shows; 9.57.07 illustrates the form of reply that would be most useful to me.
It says 3.57.24
